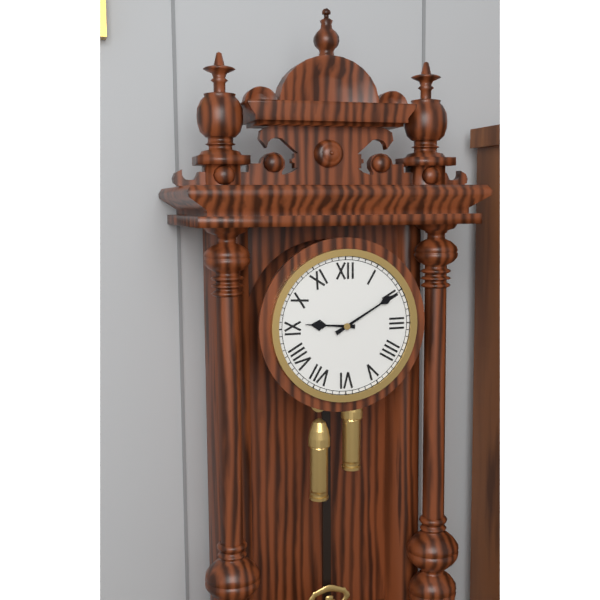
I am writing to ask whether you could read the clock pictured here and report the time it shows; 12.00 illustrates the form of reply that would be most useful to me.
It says 9.10
